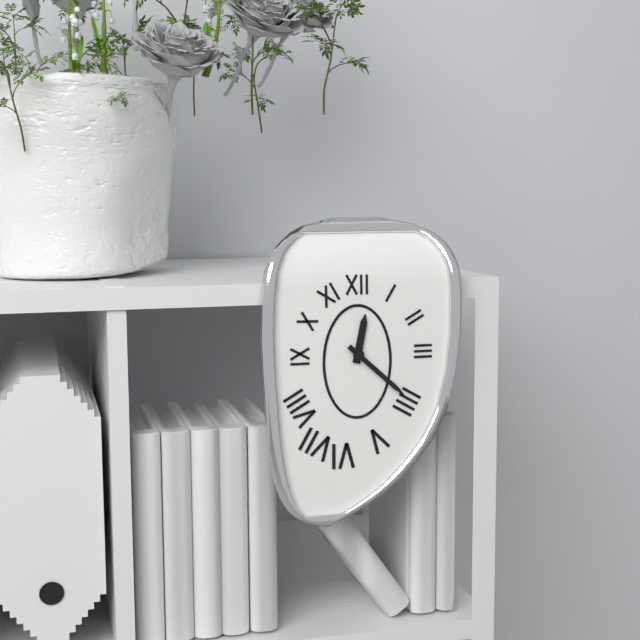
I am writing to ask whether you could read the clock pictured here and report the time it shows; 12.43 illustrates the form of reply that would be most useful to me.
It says 12.22
